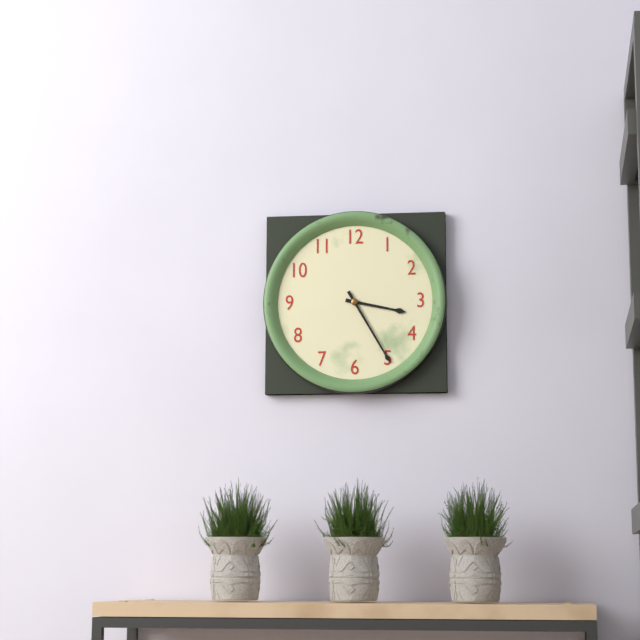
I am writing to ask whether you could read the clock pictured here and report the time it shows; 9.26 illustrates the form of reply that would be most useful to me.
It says 3.25
